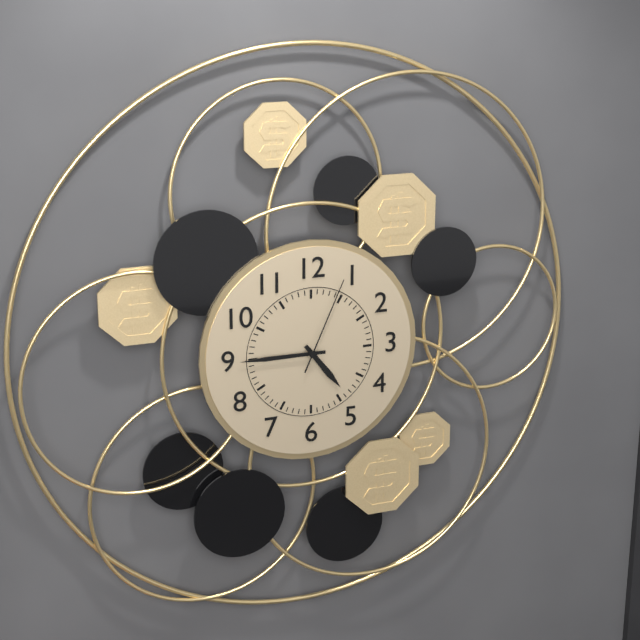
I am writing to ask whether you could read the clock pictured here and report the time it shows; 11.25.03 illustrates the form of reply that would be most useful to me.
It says 4.45.04
